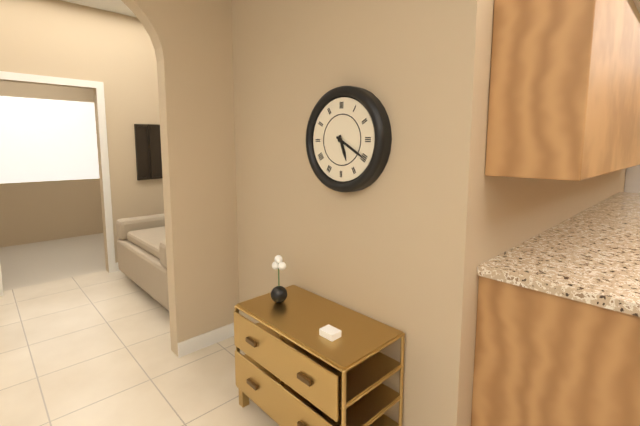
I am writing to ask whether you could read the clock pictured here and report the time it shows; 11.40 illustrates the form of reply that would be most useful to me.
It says 5.20
